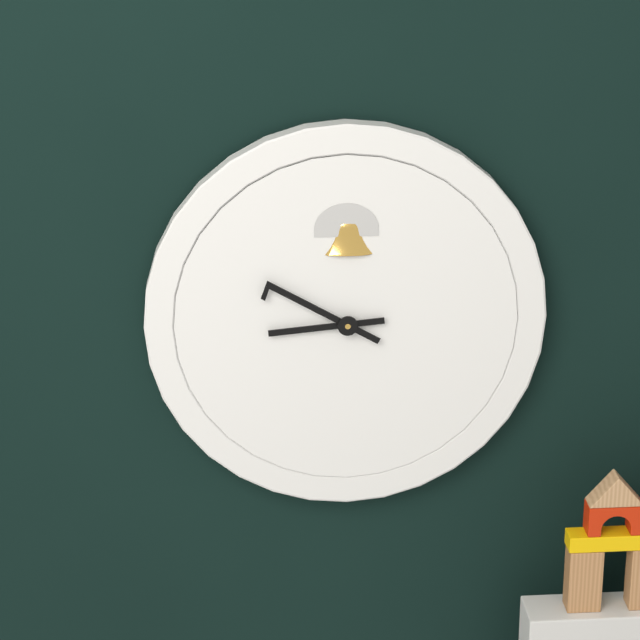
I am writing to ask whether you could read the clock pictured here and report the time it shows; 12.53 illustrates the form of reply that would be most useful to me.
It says 8.50
